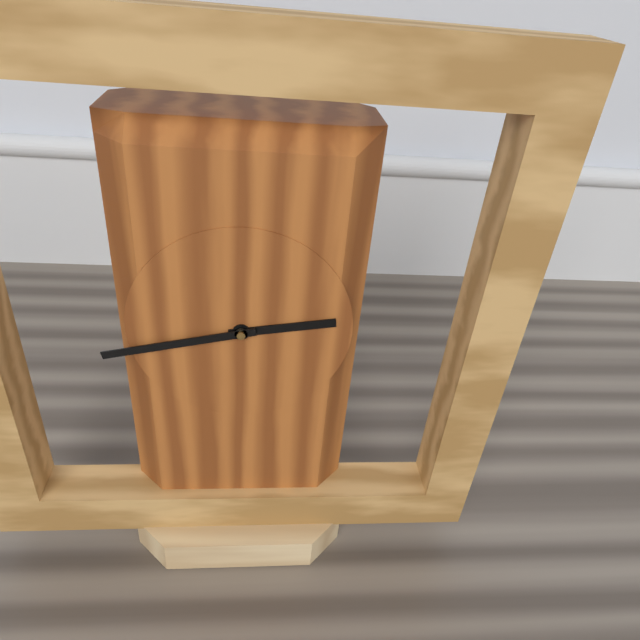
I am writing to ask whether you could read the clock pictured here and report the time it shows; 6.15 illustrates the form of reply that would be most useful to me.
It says 2.43
